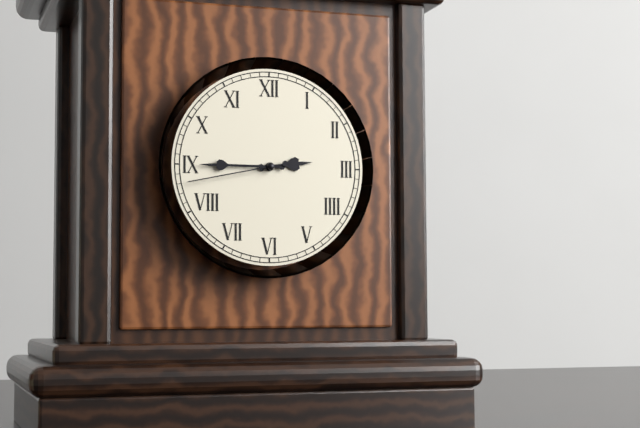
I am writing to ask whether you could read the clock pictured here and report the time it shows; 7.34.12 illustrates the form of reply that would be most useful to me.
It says 2.45.43
